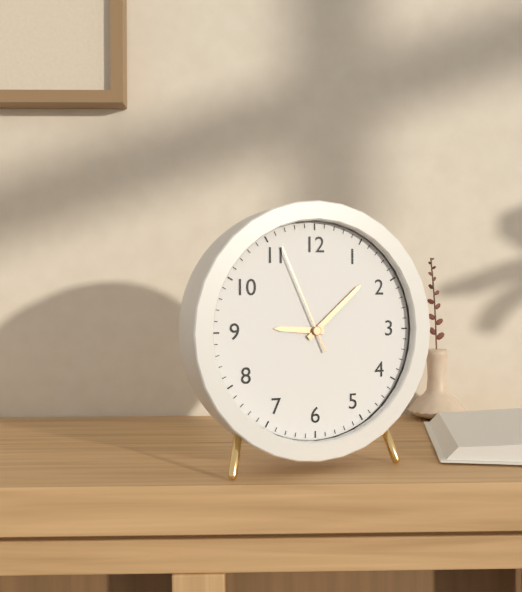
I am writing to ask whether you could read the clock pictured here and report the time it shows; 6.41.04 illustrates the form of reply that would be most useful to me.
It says 9.08.56
